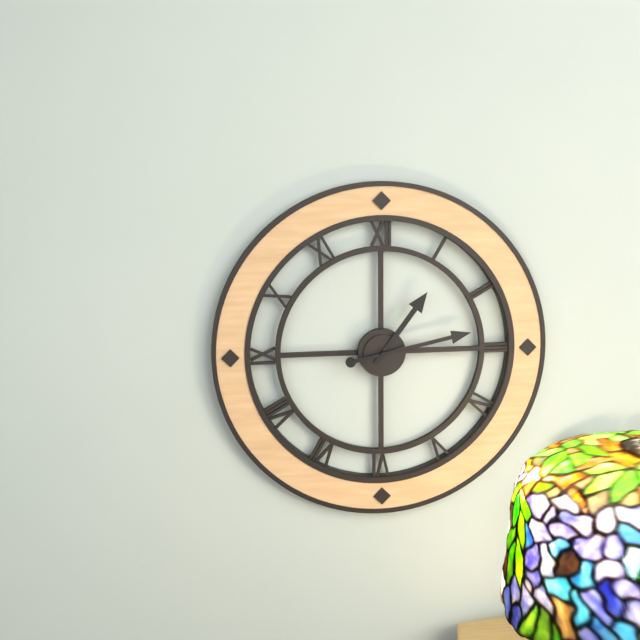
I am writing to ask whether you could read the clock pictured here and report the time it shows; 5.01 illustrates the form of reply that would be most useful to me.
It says 1.13
